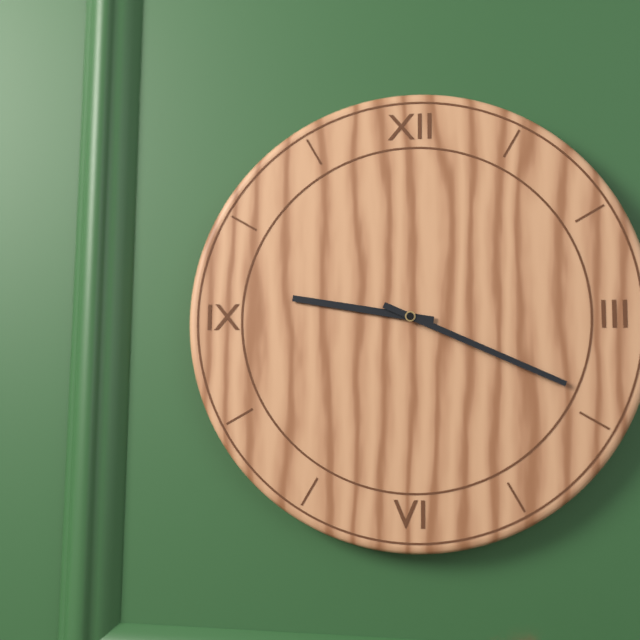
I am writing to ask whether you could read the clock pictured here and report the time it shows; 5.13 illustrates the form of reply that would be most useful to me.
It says 9.19
